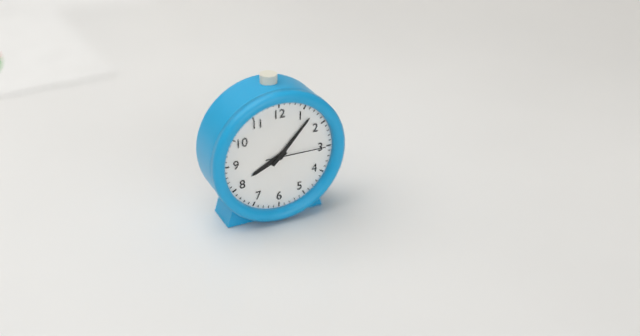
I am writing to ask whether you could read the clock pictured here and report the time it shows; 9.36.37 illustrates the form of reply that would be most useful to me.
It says 8.07.15
